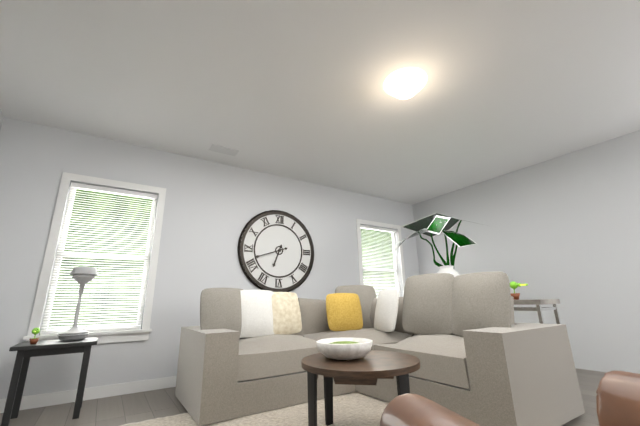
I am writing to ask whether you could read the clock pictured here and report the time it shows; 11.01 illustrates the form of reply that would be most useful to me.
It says 6.42
